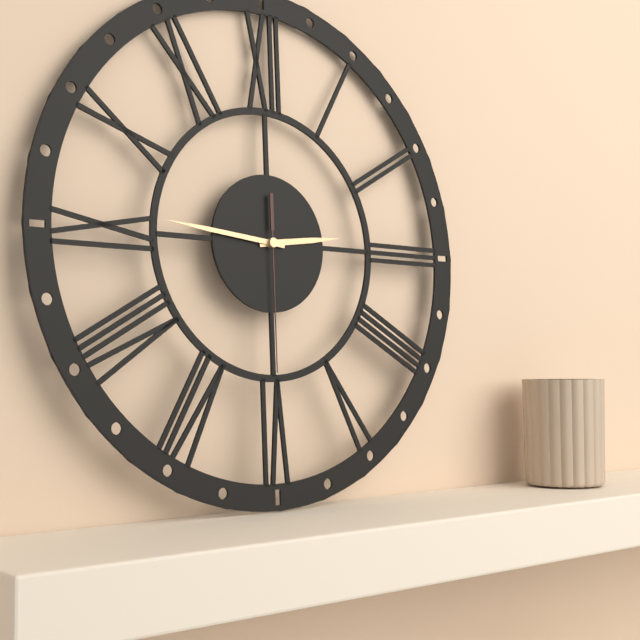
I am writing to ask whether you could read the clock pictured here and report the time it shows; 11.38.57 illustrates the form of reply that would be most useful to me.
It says 2.46.30
